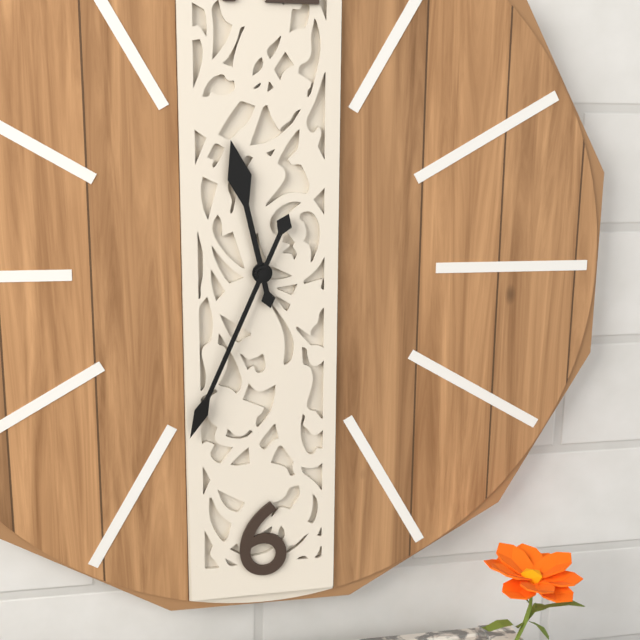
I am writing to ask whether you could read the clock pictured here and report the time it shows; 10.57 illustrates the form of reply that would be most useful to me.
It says 11.34
